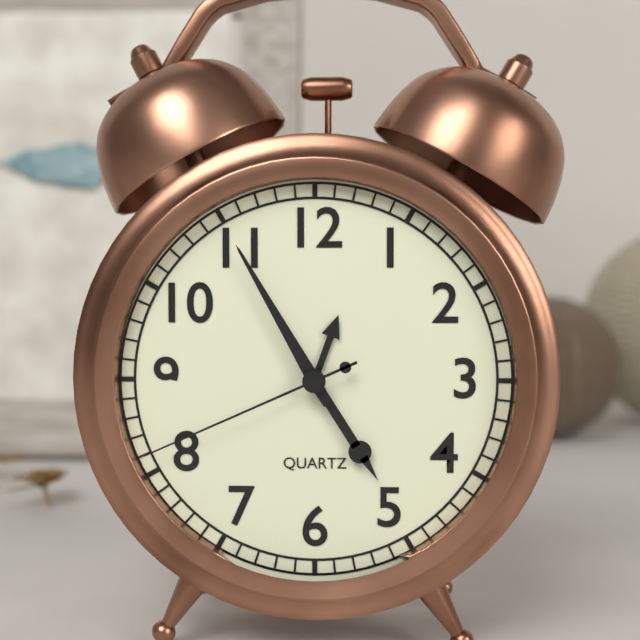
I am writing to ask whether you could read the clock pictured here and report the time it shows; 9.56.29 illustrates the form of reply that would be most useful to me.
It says 4.55.41
